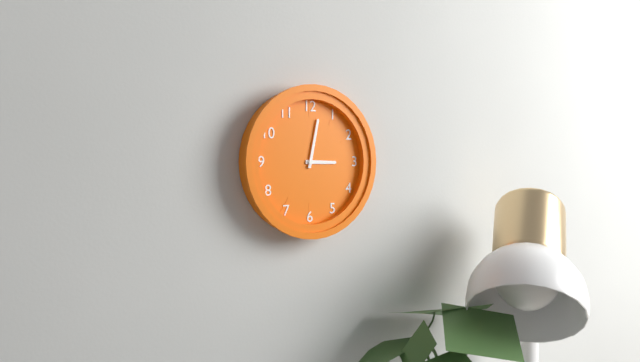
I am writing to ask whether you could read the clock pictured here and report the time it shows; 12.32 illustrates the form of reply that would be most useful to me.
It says 3.02
